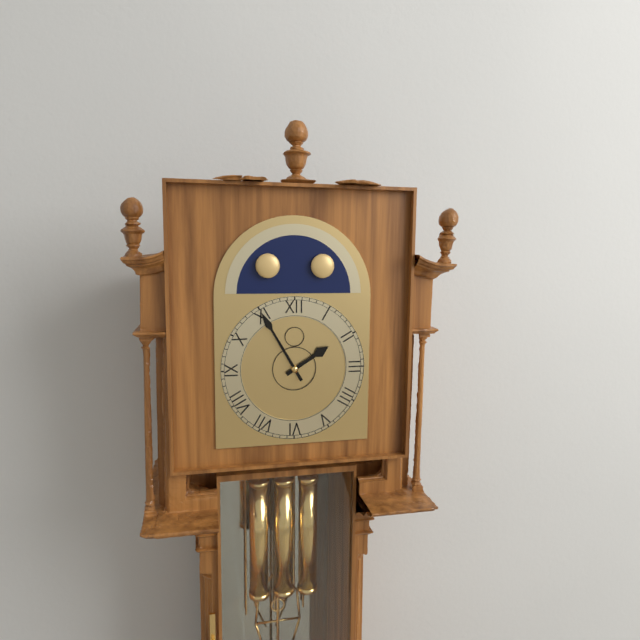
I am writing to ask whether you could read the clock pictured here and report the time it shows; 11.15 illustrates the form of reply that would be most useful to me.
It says 1.55
